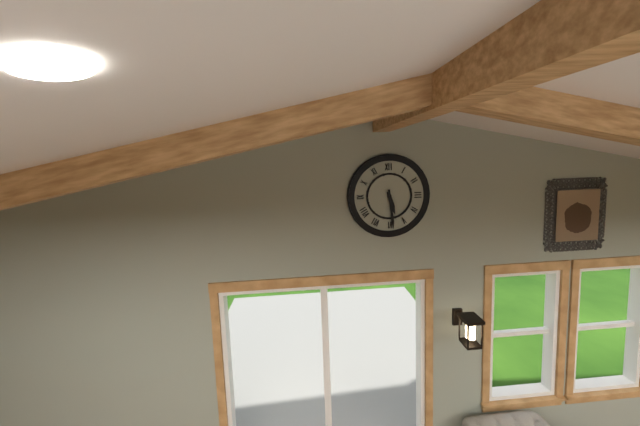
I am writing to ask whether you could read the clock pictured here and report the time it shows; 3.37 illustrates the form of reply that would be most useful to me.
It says 5.29
